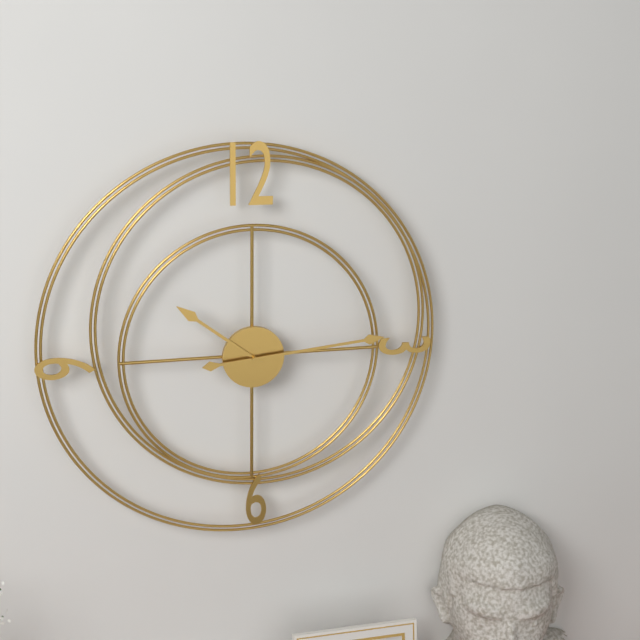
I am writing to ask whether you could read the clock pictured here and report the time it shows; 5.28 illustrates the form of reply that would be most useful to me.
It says 10.14
